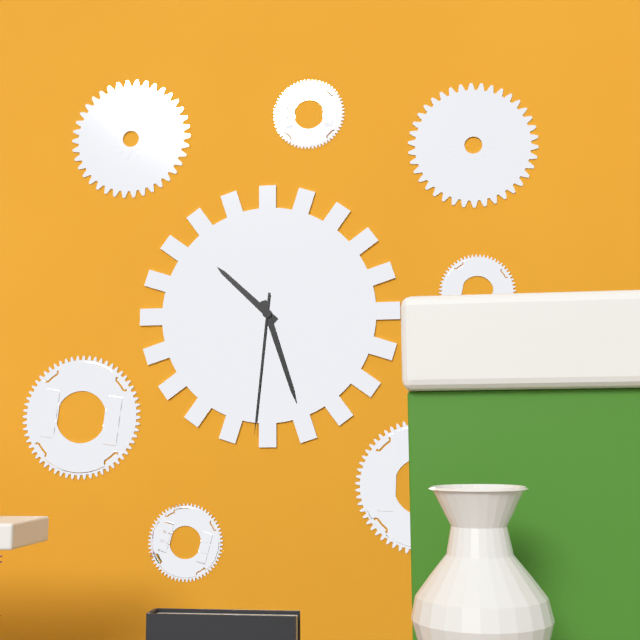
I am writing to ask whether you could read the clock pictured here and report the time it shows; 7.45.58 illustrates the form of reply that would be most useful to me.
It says 10.27.31
